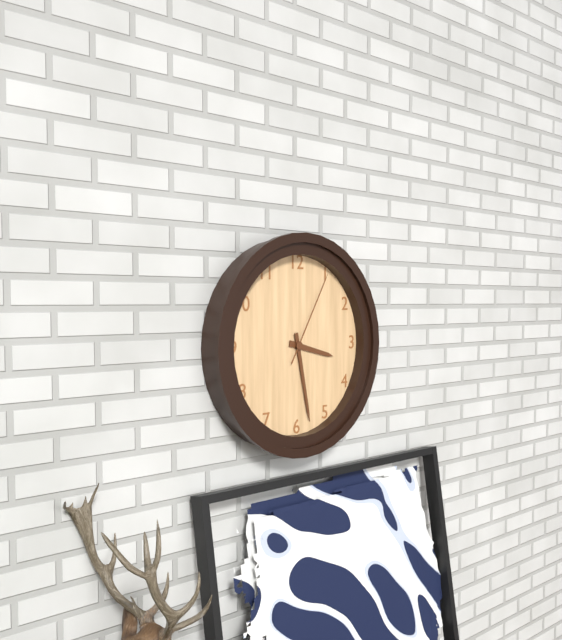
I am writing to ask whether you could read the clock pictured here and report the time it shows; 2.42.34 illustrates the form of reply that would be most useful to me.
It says 3.28.05
